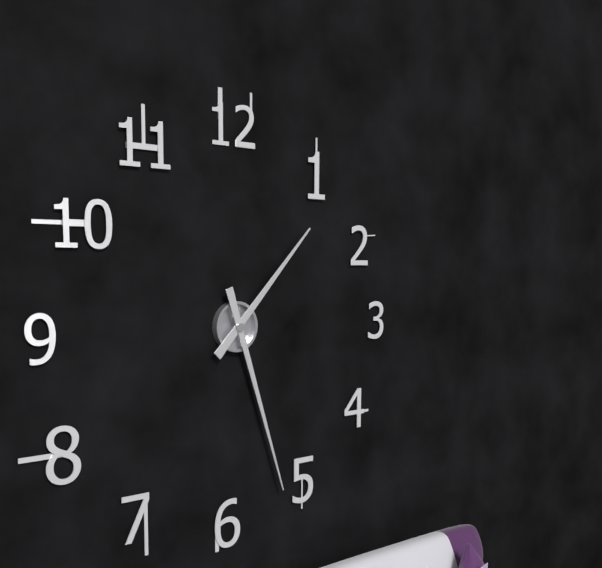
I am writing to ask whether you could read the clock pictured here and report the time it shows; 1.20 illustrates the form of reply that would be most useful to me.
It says 1.27
